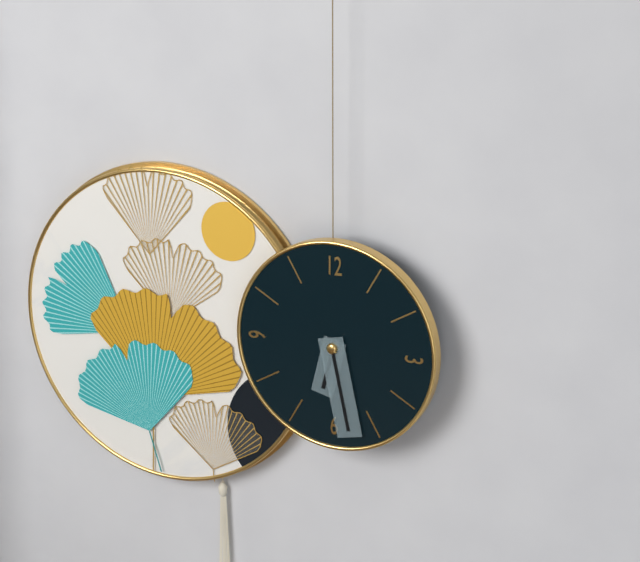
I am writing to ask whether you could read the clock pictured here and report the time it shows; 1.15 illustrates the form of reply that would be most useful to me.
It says 6.28
